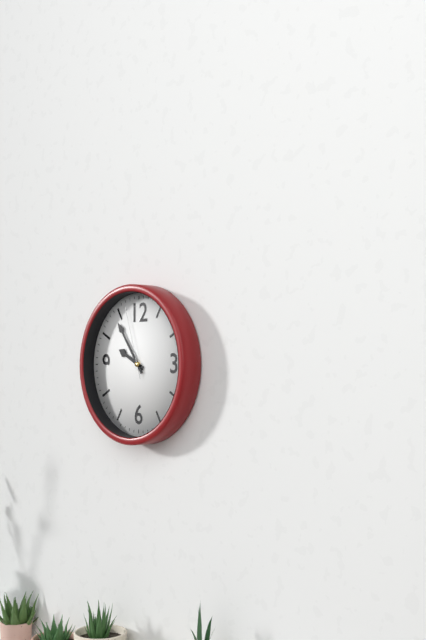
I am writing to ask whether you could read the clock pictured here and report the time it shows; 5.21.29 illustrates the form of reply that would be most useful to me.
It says 9.54.57
